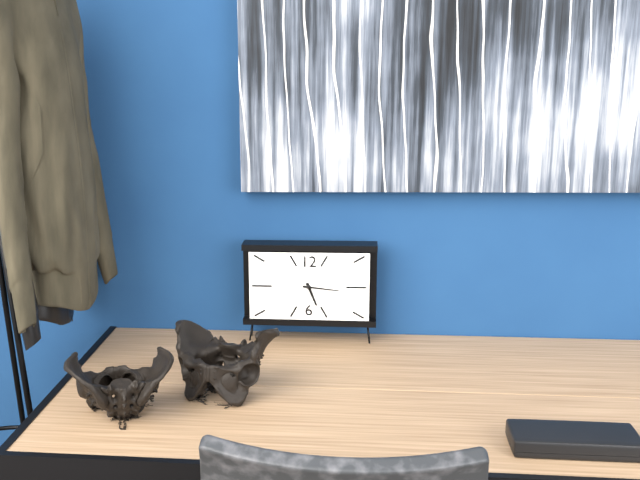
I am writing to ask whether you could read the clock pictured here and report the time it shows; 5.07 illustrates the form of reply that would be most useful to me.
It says 5.16
